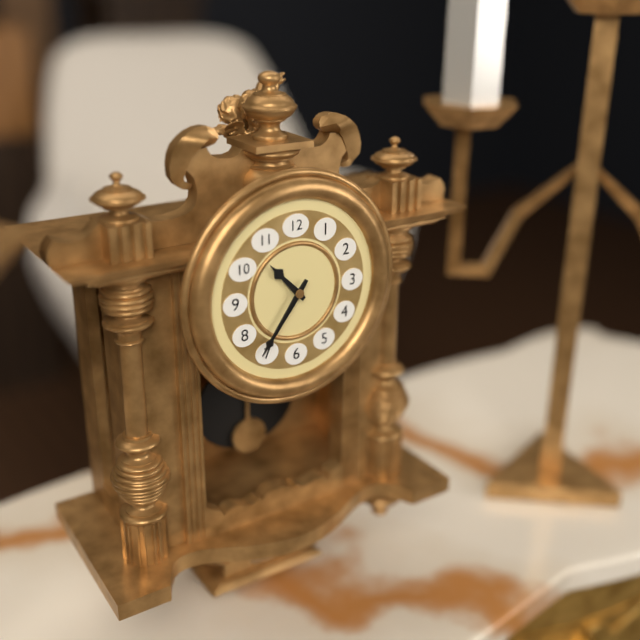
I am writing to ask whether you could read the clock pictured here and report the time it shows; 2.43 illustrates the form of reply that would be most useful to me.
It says 10.36
